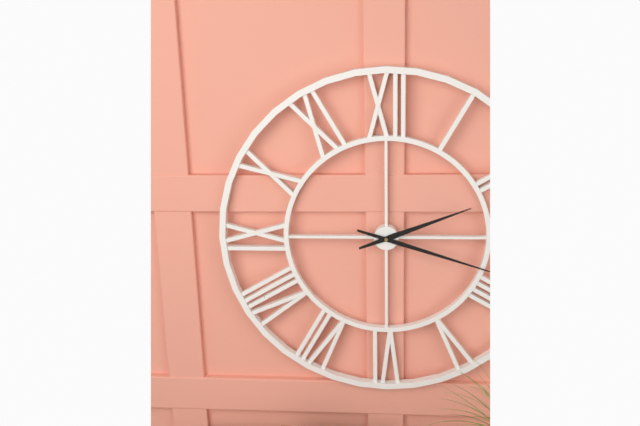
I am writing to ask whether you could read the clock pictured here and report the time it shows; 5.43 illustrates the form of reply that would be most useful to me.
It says 2.18
